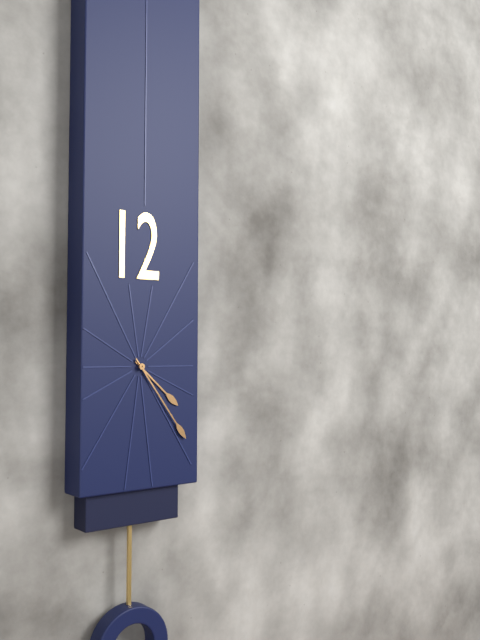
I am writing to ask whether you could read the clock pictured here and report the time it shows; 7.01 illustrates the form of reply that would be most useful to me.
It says 4.24
